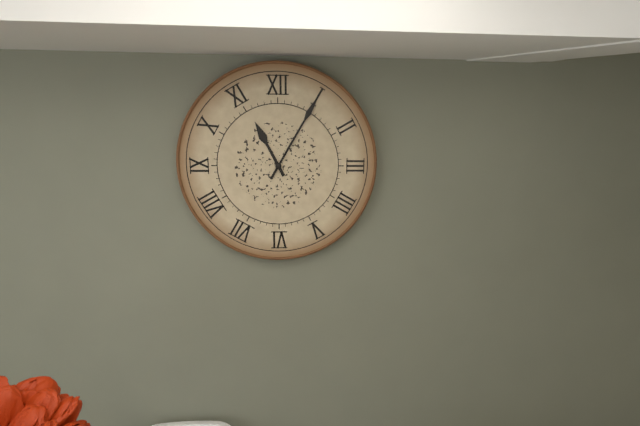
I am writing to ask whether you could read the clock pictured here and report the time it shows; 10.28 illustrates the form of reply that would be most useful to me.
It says 11.05
